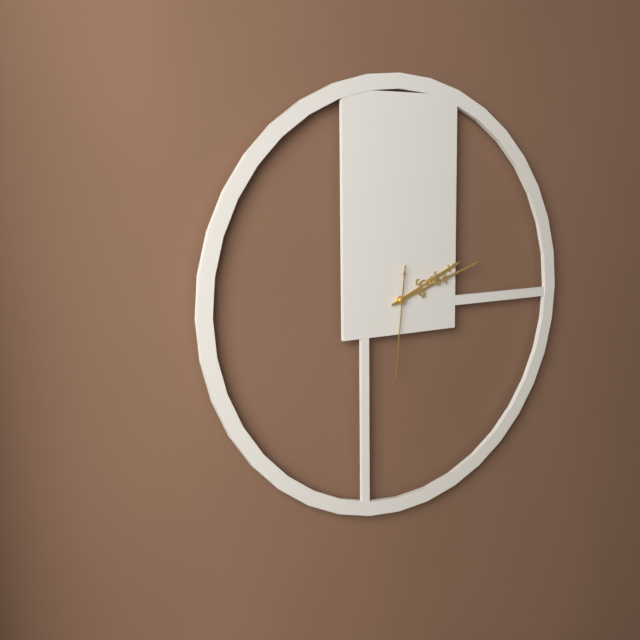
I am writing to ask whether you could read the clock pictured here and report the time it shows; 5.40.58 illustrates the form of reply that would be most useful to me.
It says 2.12.31
